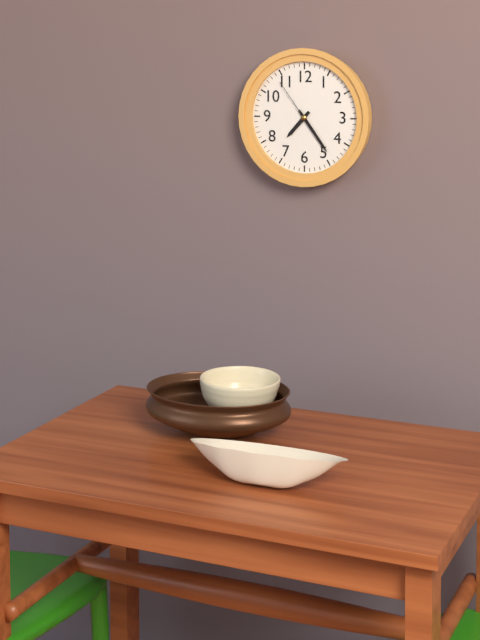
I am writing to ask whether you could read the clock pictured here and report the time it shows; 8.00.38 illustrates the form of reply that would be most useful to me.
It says 7.24.54
